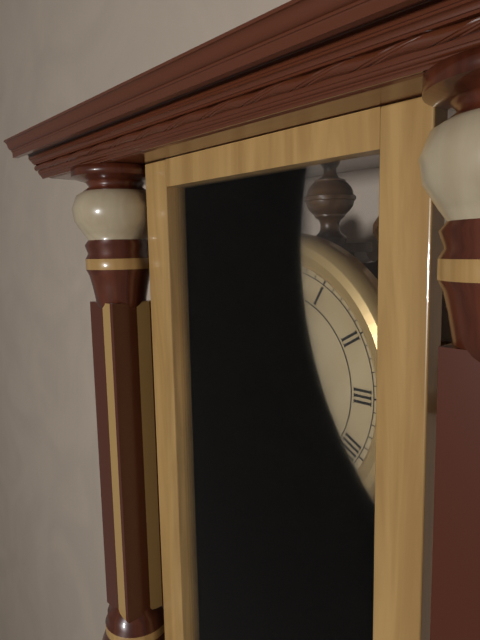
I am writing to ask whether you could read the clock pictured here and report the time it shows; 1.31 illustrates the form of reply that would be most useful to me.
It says 12.23
